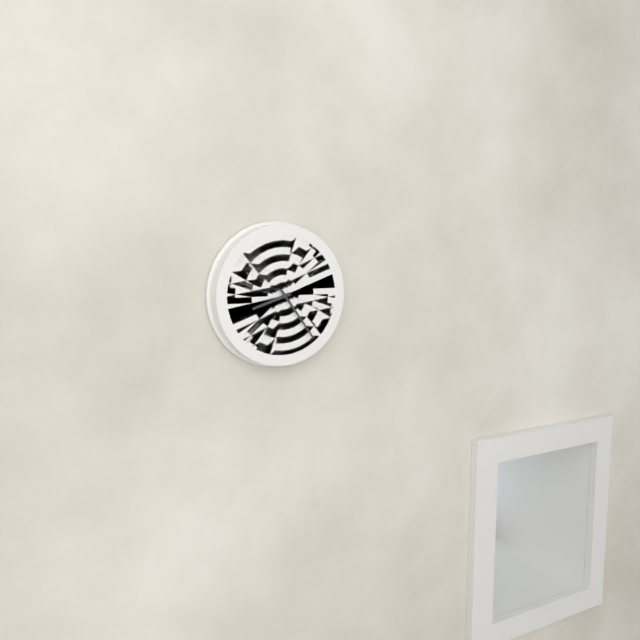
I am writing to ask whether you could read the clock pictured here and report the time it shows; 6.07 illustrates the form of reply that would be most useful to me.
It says 8.24
